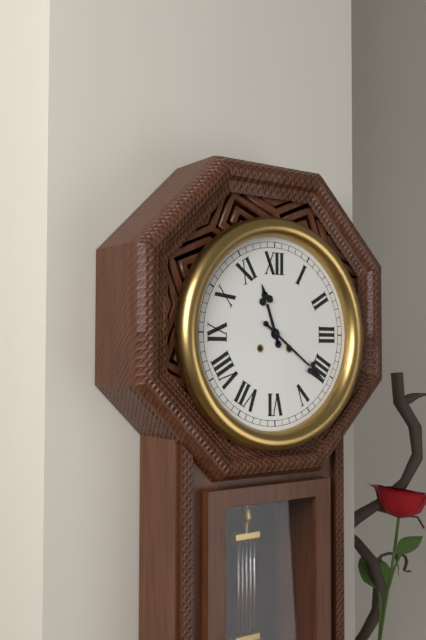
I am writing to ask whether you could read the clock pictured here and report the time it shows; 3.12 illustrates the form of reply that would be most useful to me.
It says 11.21
